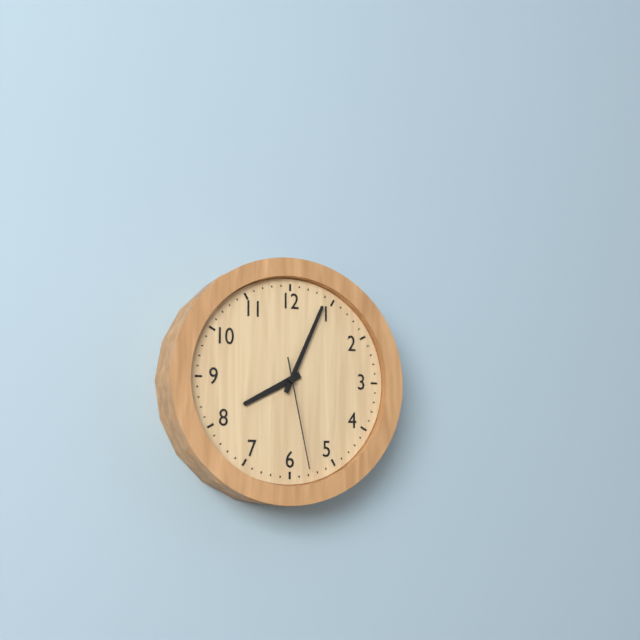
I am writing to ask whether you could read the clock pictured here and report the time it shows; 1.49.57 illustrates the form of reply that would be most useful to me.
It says 8.04.28
